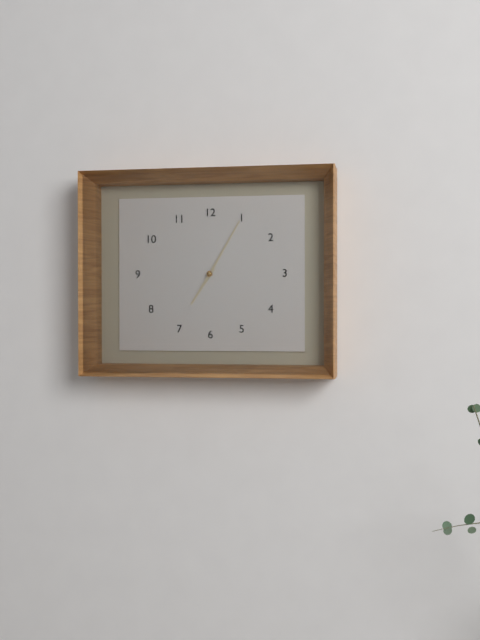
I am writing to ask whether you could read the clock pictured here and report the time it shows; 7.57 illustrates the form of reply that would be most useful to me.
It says 7.05
